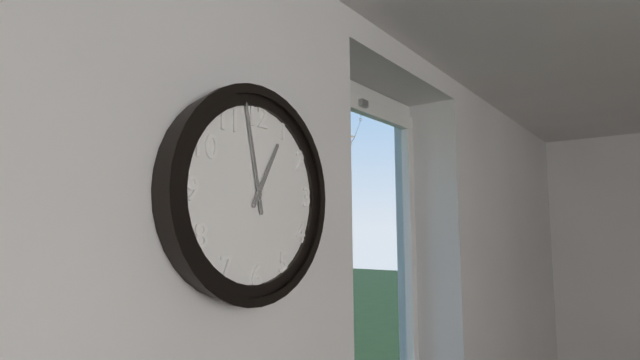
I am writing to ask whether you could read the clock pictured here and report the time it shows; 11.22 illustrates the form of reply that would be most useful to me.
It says 12.58
